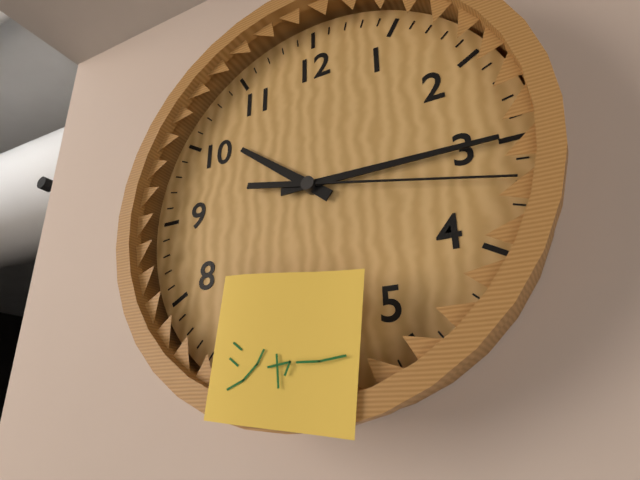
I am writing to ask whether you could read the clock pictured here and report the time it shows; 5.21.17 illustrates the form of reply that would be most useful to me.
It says 10.15.17
